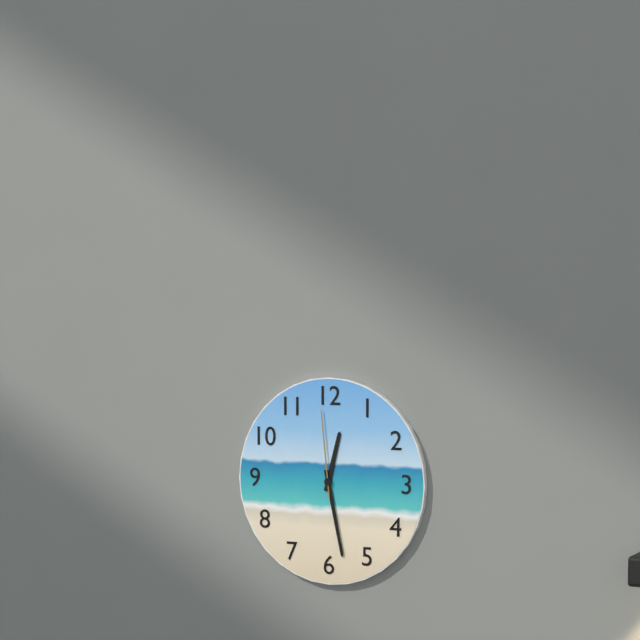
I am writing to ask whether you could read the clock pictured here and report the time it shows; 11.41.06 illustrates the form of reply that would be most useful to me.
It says 12.28.59
